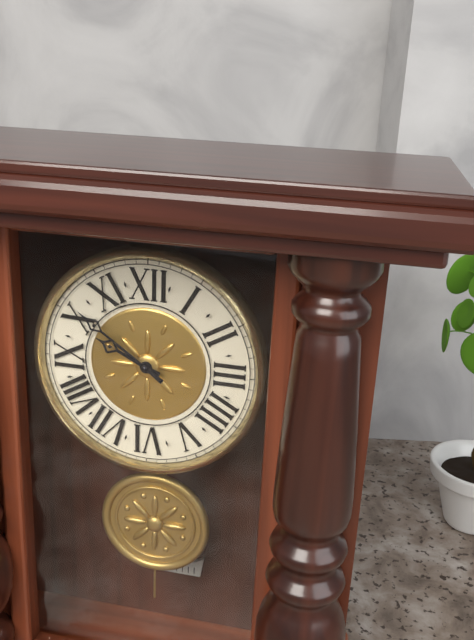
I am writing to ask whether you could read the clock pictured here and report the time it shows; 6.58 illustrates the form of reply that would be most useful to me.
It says 9.51
